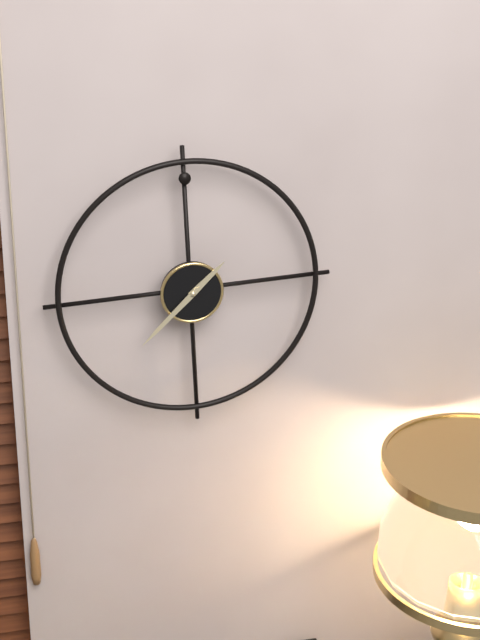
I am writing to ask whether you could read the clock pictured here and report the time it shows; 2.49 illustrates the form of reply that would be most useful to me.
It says 1.38
